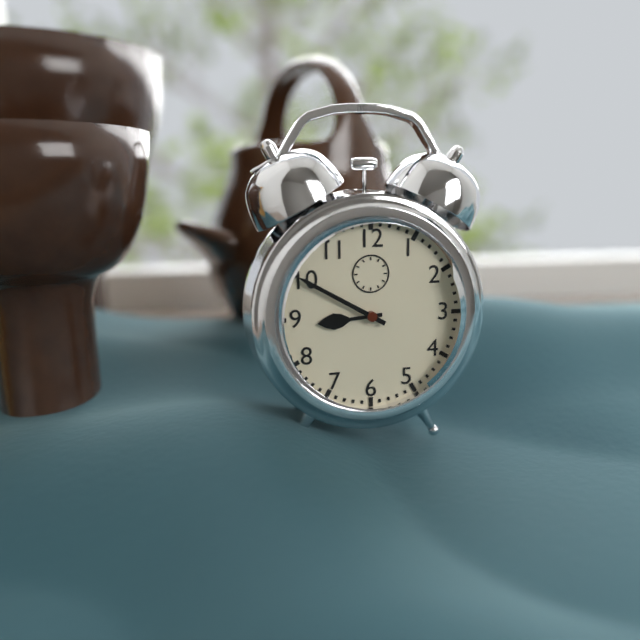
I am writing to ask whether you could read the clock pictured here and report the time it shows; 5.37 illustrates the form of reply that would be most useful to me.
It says 8.50
